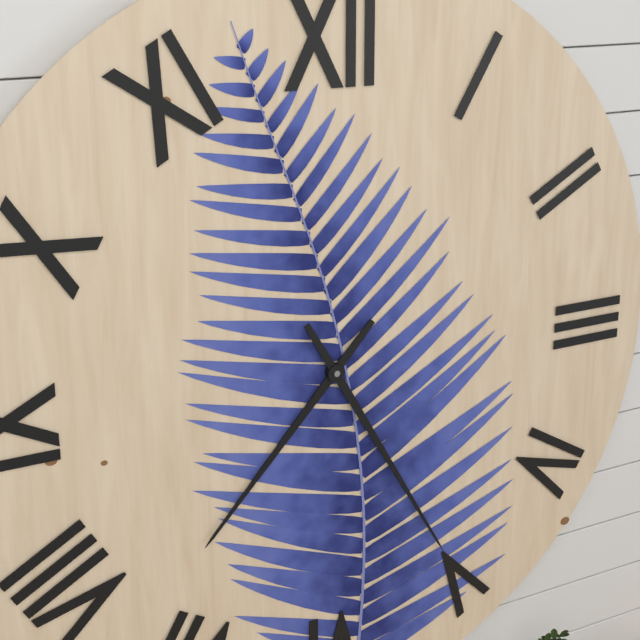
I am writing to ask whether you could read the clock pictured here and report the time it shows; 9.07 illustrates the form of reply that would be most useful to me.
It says 7.25
